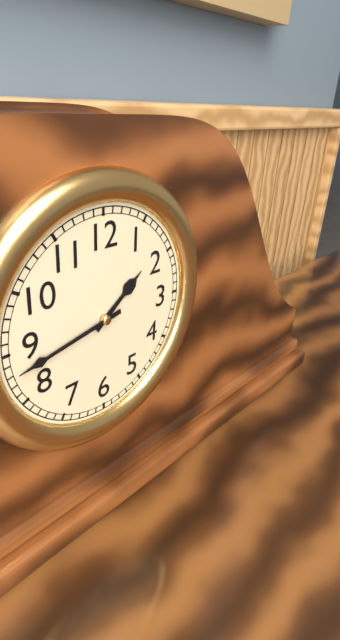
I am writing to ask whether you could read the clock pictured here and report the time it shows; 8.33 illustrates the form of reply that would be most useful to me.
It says 1.43
